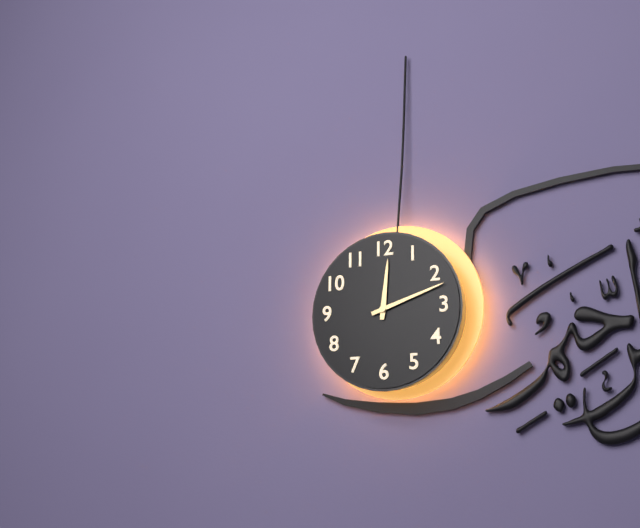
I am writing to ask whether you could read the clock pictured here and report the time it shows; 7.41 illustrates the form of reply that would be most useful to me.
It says 12.12
